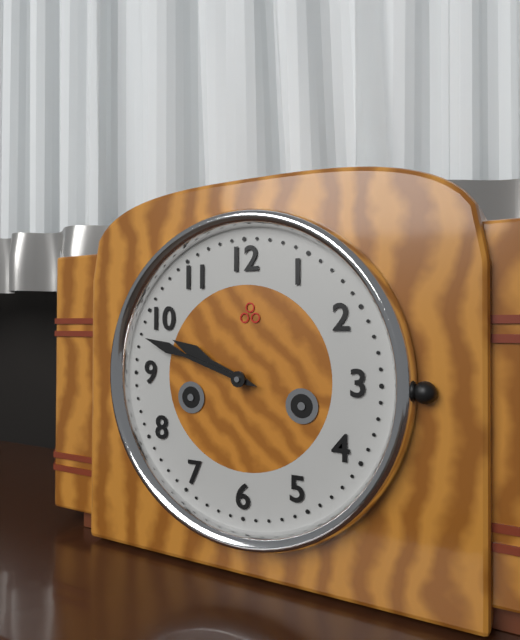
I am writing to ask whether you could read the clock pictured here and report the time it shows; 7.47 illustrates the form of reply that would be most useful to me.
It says 9.48
